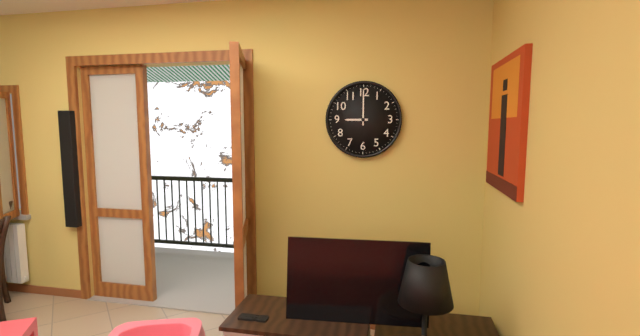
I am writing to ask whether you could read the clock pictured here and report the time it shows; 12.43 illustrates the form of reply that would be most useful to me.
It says 9.00
